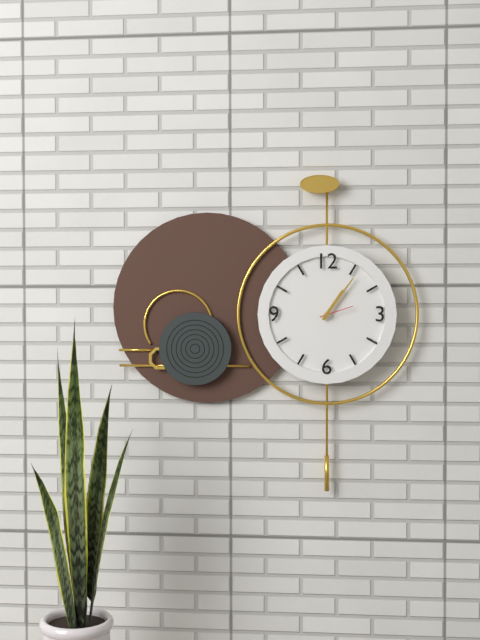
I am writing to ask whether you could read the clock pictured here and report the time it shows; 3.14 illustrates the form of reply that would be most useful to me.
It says 1.06
